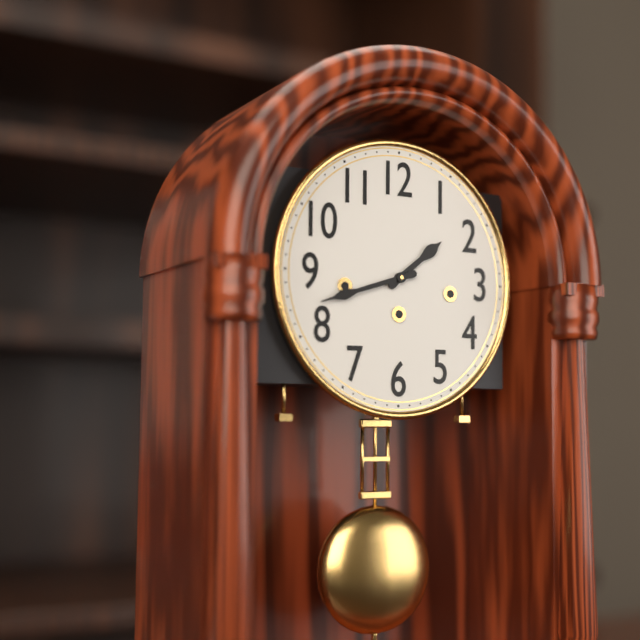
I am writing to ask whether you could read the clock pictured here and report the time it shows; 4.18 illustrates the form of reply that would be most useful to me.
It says 1.42
